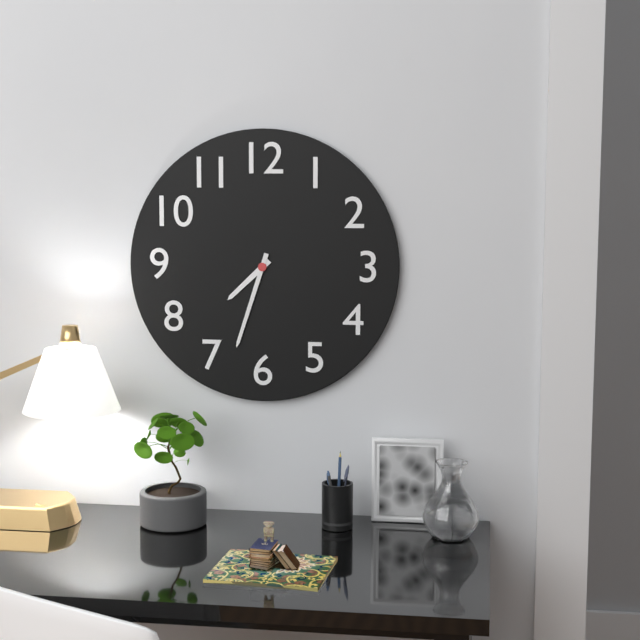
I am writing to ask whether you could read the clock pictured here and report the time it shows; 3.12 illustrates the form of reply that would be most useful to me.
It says 7.33
